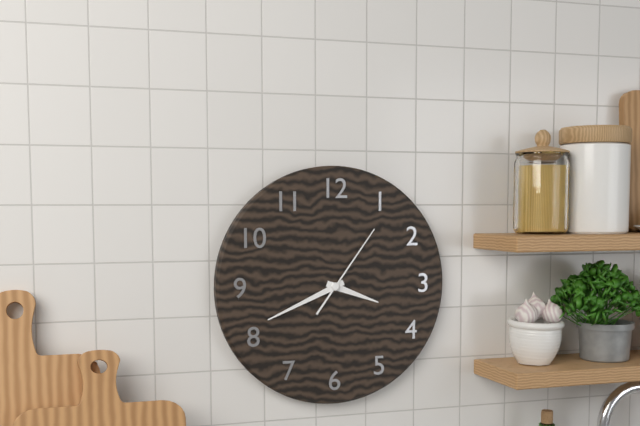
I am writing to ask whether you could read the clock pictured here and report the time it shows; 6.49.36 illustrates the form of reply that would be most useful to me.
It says 3.41.06
